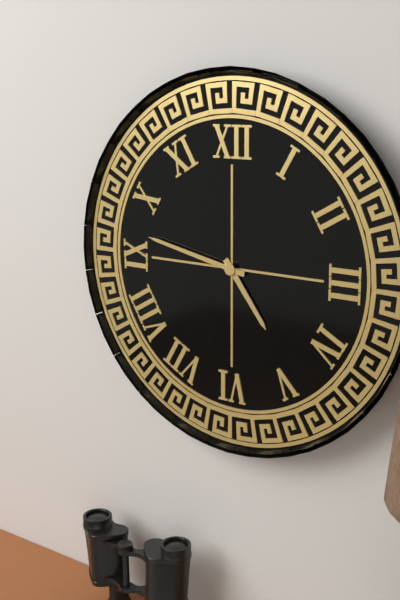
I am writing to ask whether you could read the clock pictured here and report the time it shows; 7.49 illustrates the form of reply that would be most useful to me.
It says 4.47
